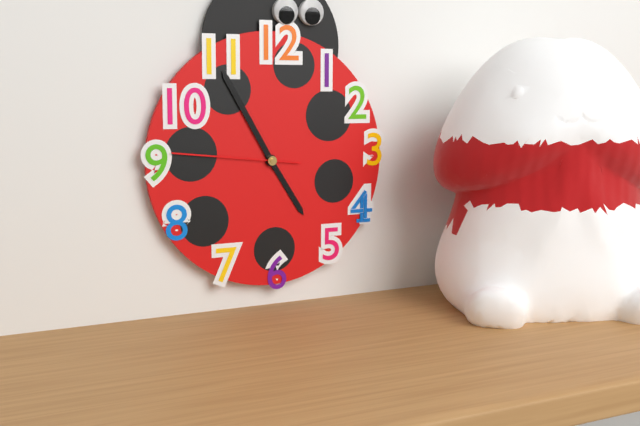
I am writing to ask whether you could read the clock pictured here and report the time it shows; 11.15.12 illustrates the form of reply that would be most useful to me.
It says 4.55.46
